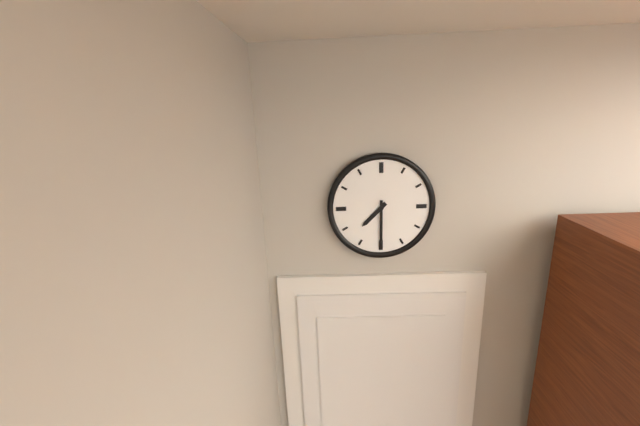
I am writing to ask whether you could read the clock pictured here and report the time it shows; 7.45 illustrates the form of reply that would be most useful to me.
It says 7.30
